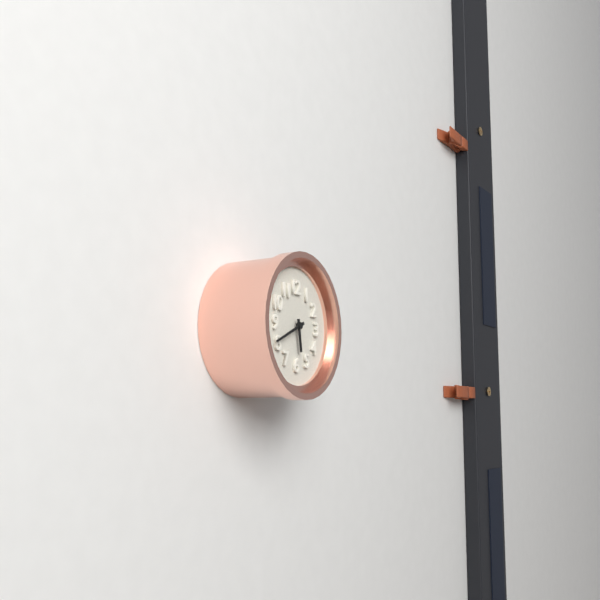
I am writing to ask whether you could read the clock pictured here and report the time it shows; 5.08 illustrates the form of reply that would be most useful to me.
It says 5.41
